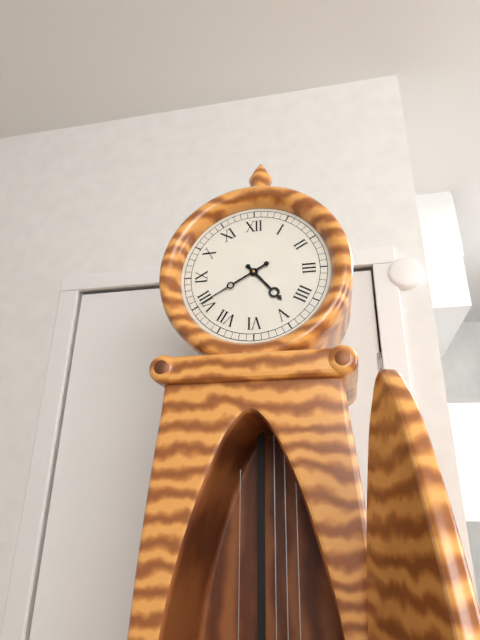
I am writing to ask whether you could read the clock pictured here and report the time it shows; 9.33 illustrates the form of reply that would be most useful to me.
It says 4.40
